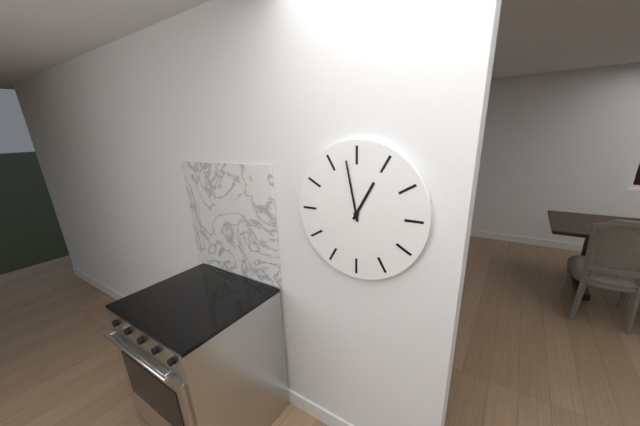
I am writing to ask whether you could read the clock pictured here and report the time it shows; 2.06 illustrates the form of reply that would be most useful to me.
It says 12.58
